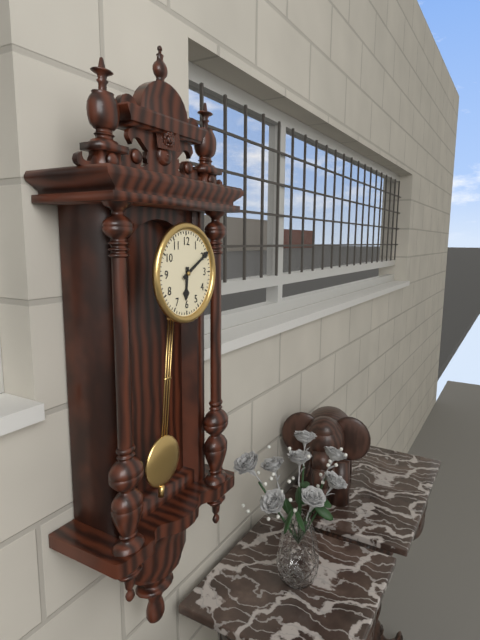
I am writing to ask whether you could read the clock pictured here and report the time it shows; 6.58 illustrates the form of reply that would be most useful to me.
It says 6.10
